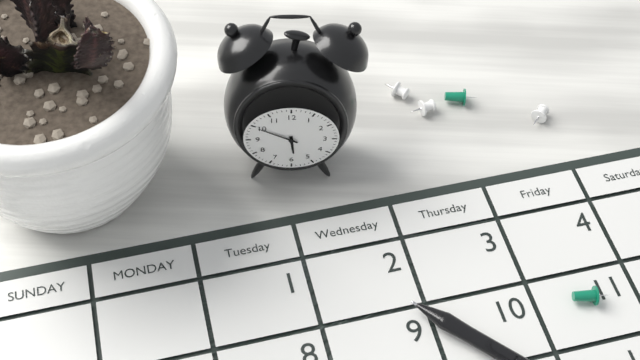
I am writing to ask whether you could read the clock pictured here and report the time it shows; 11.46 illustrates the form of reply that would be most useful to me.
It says 5.50
